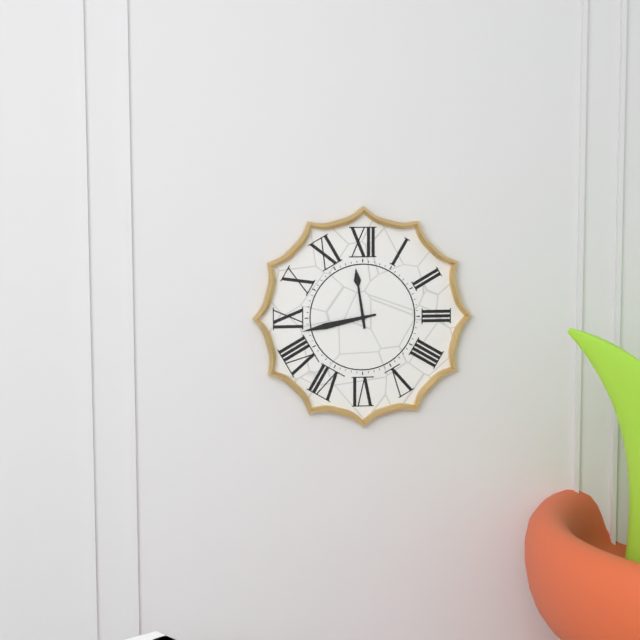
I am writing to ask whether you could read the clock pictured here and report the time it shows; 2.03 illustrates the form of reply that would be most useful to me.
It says 11.43
